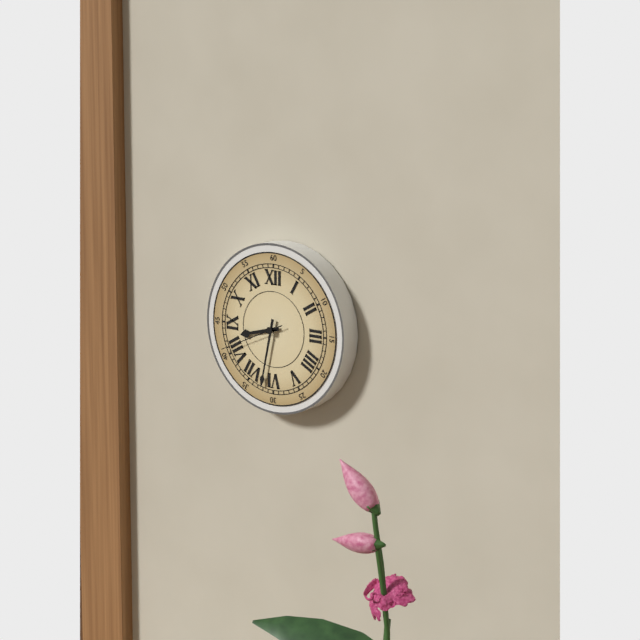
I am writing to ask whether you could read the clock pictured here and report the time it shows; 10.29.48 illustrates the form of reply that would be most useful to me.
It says 8.32.41
